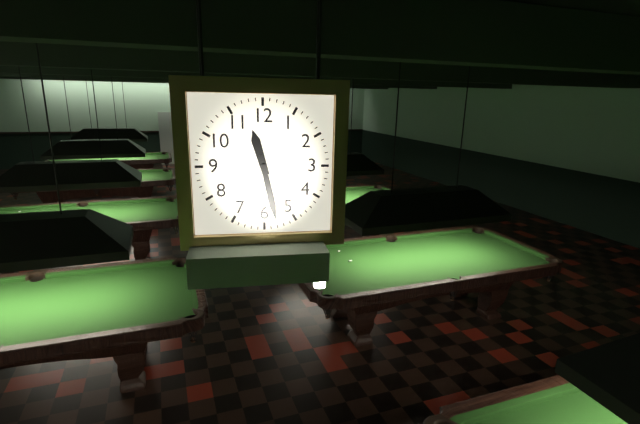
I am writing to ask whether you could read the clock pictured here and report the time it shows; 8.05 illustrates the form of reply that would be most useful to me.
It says 11.28
